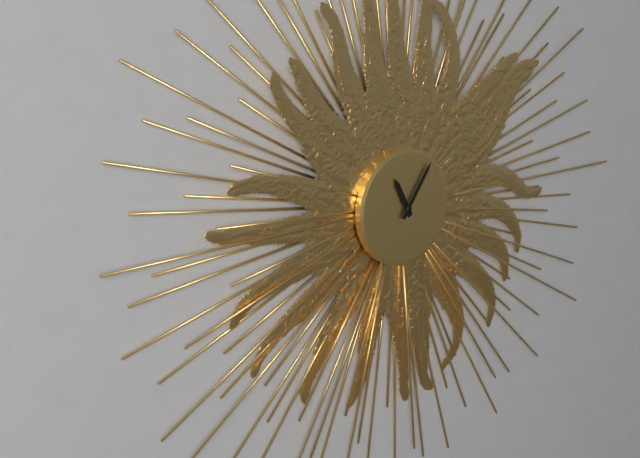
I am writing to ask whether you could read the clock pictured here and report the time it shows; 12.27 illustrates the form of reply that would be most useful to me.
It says 11.06
